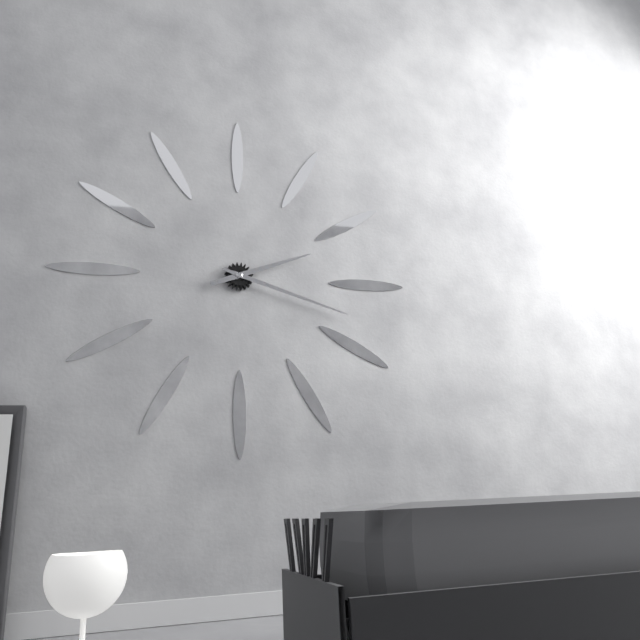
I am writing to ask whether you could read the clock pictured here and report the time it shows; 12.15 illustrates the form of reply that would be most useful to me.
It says 2.18
